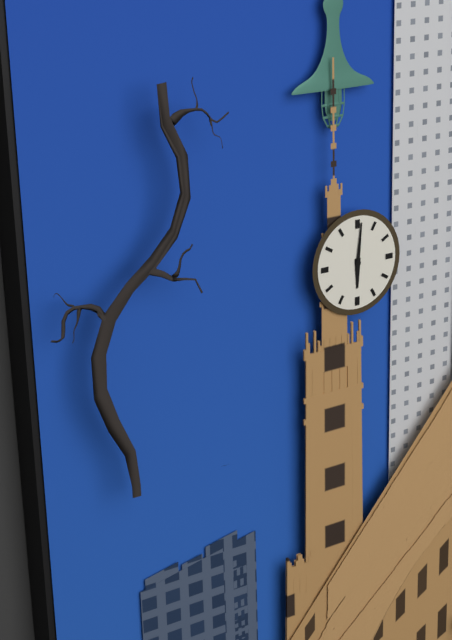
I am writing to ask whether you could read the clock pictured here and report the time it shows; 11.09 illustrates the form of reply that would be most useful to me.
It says 6.01
